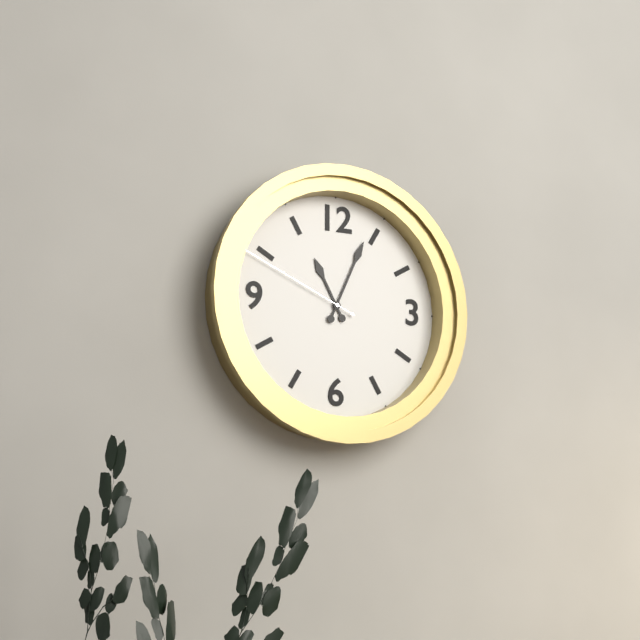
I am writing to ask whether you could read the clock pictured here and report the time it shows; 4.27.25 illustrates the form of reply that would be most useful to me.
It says 11.04.49
